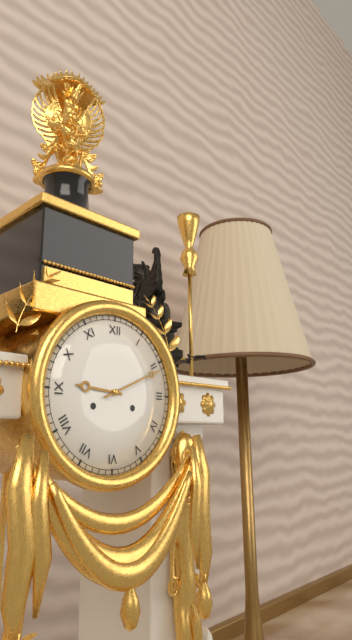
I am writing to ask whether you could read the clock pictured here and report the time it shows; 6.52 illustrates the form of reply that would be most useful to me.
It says 9.11
